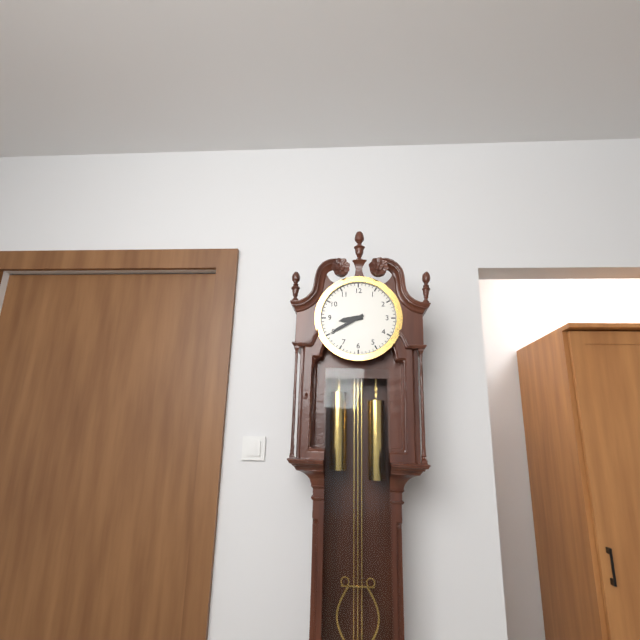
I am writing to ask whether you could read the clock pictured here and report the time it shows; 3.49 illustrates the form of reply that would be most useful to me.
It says 8.40
